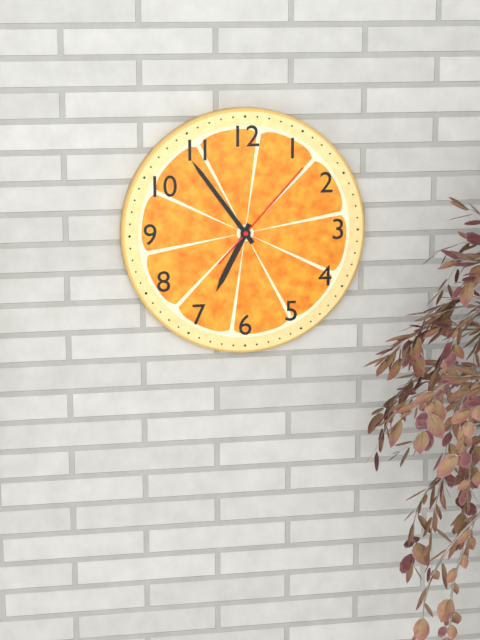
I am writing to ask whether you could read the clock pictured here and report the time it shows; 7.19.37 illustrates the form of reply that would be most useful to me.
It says 6.54.07
